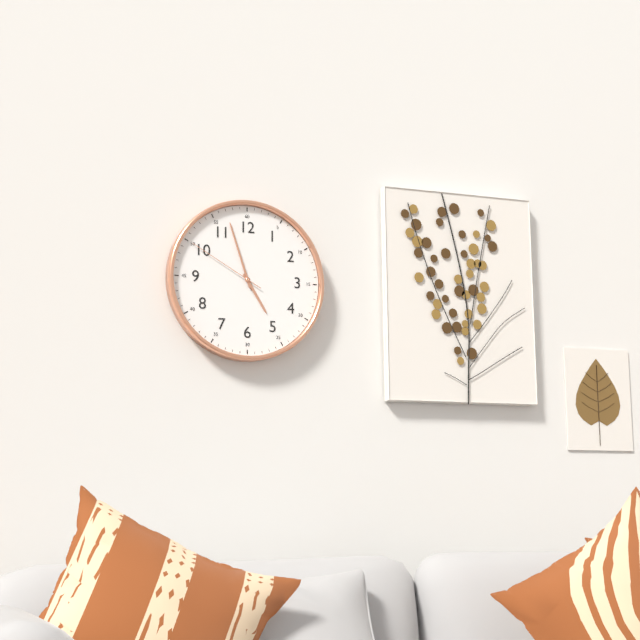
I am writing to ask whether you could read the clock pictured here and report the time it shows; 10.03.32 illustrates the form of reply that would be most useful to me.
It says 4.57.50
